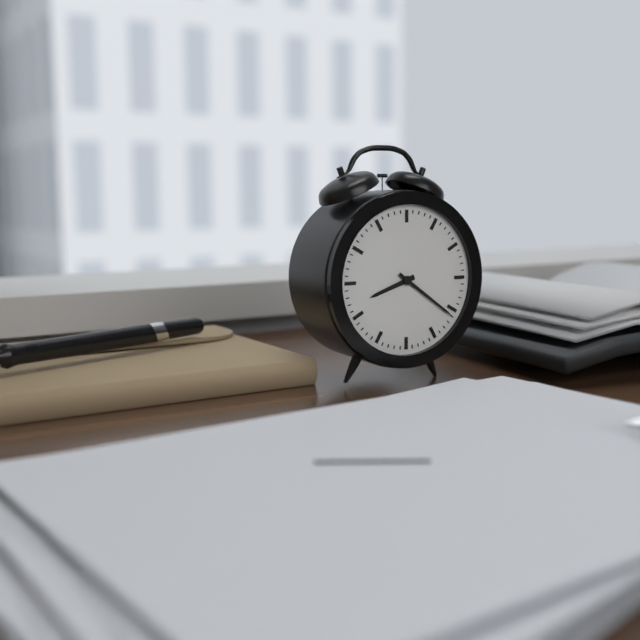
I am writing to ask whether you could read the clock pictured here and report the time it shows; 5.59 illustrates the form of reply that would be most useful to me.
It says 8.21
